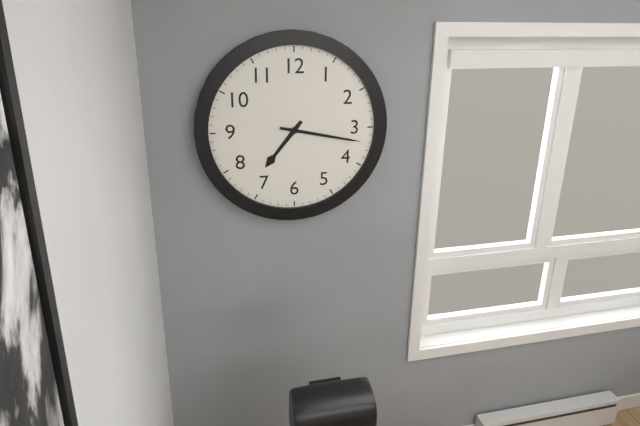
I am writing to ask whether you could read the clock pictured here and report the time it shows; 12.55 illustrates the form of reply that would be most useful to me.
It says 7.17
